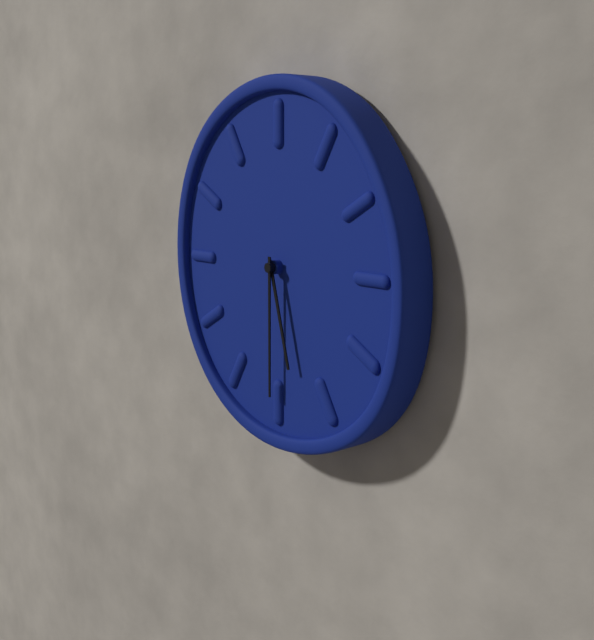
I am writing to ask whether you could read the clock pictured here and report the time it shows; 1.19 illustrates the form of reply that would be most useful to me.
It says 5.30
